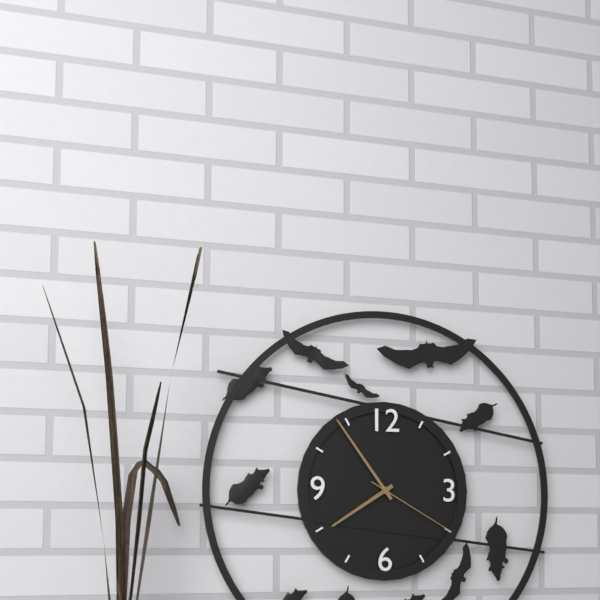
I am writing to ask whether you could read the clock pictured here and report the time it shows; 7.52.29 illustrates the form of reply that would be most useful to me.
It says 7.54.20
